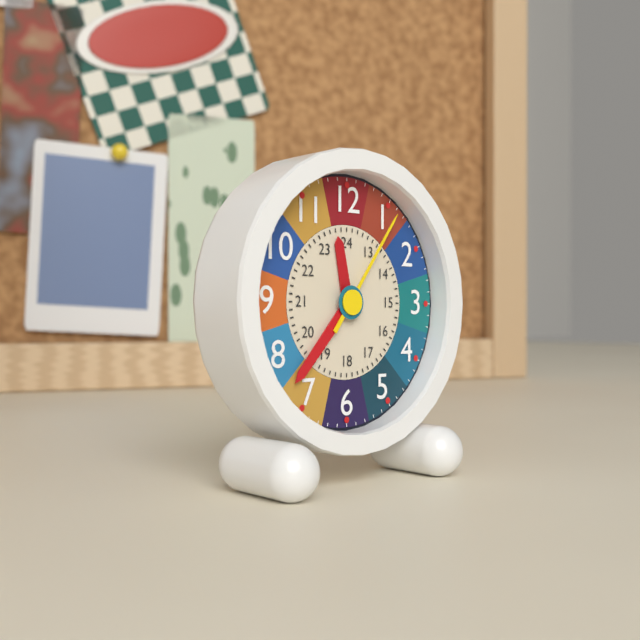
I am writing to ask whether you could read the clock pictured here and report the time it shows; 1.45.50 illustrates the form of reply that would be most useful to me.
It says 11.37.06
